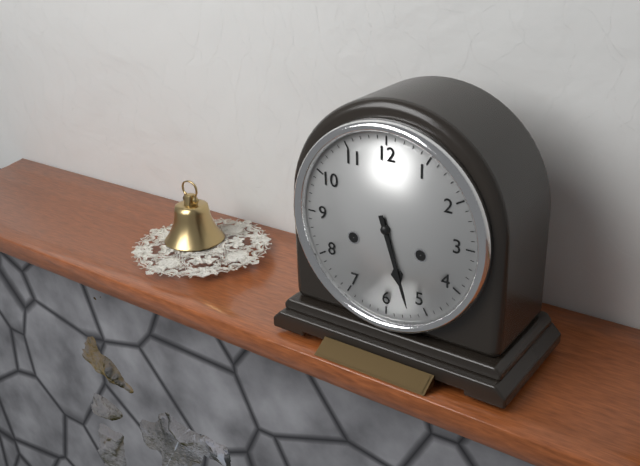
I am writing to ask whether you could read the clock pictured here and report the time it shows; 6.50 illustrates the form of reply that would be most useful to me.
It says 5.27
